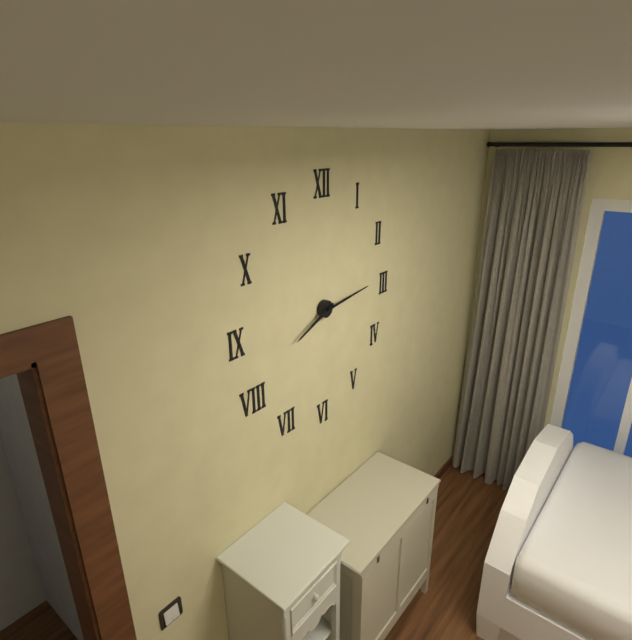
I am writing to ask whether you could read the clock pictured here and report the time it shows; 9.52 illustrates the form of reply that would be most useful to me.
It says 8.14
